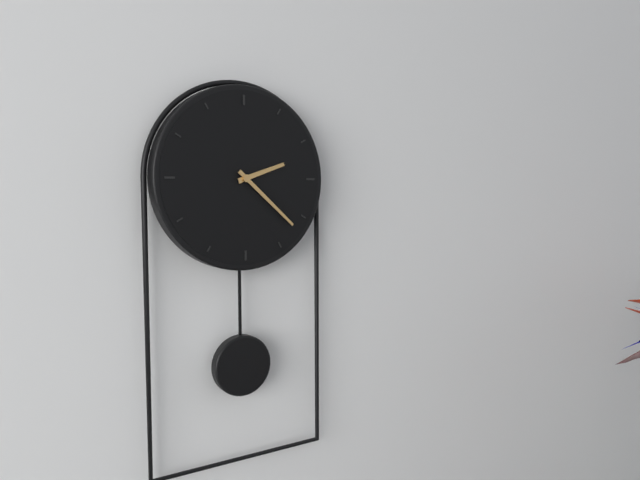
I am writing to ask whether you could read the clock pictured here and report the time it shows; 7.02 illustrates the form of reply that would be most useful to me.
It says 2.22
